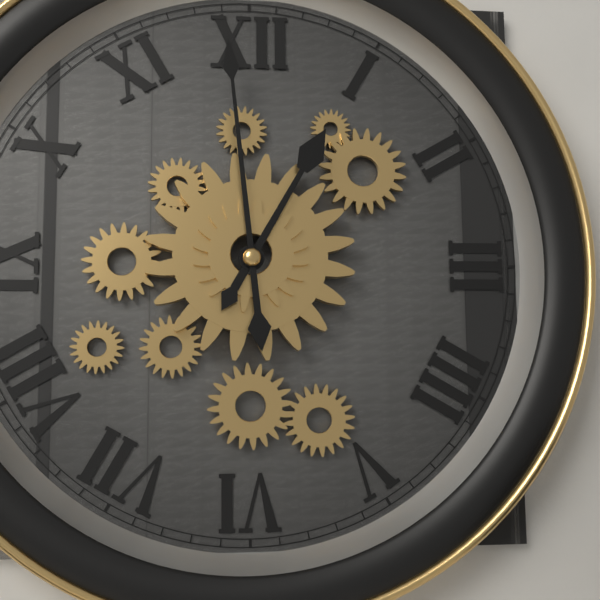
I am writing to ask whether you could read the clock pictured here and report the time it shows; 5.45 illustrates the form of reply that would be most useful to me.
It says 12.59
